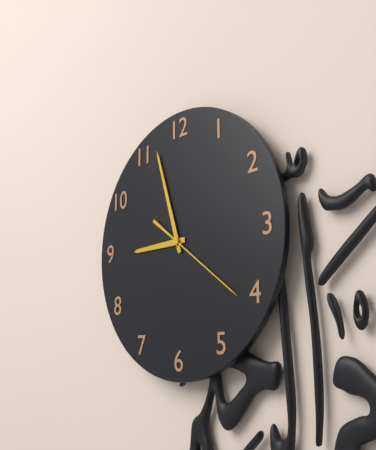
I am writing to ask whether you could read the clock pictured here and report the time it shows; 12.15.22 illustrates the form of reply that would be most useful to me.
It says 8.57.21
